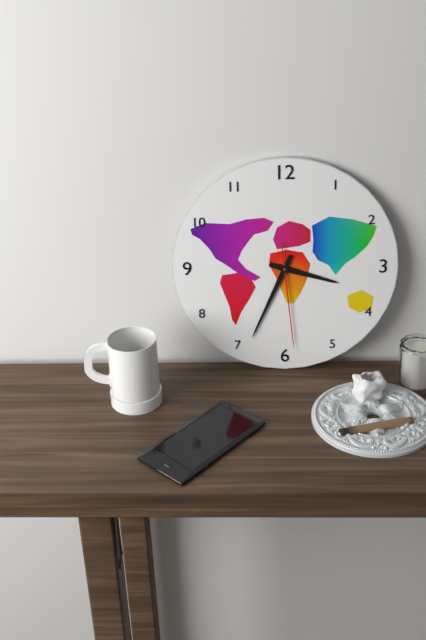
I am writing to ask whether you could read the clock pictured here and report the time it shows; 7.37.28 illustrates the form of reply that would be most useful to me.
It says 3.34.29
